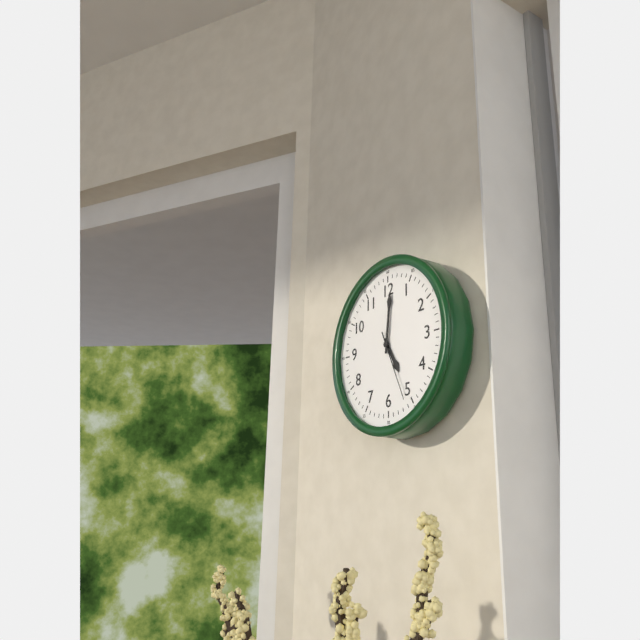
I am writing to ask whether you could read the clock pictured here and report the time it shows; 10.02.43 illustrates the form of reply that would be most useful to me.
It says 5.01.26
